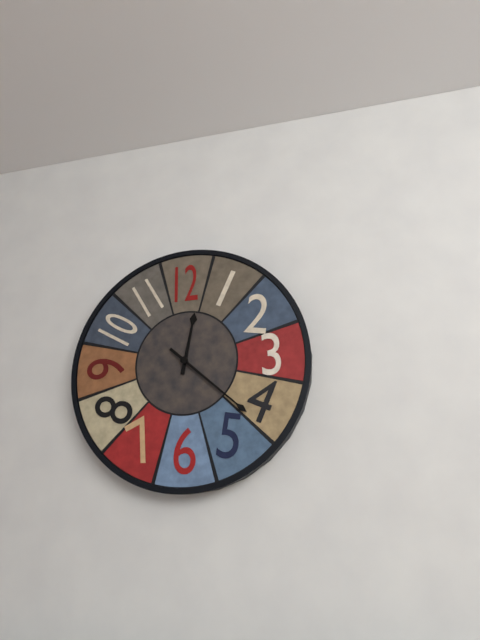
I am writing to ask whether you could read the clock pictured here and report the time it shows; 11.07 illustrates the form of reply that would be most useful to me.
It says 12.22
